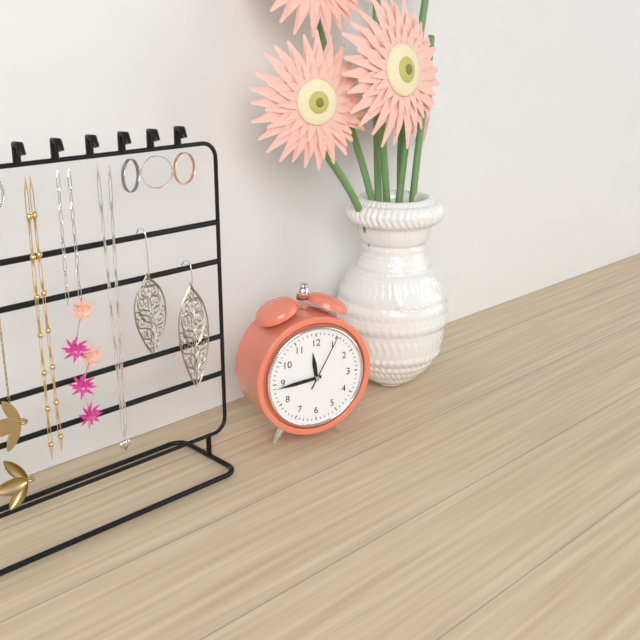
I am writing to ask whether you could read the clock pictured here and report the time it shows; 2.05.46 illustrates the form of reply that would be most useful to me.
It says 11.44.05
